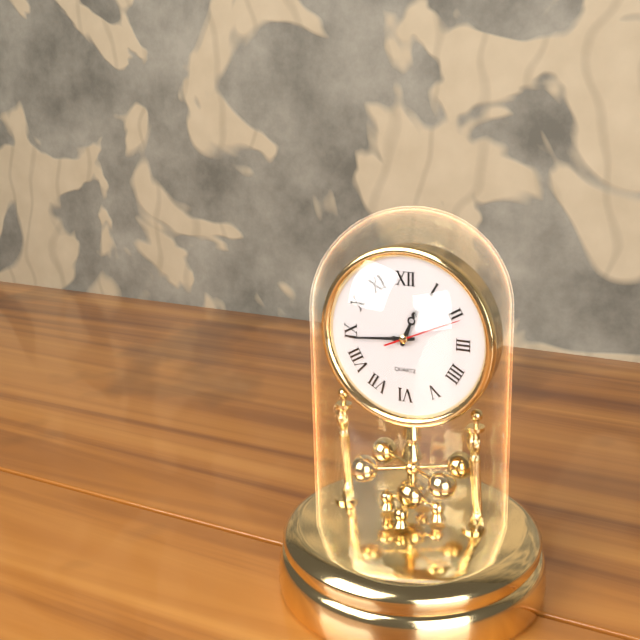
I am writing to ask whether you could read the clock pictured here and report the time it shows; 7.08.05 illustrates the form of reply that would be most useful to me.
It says 12.44.11
